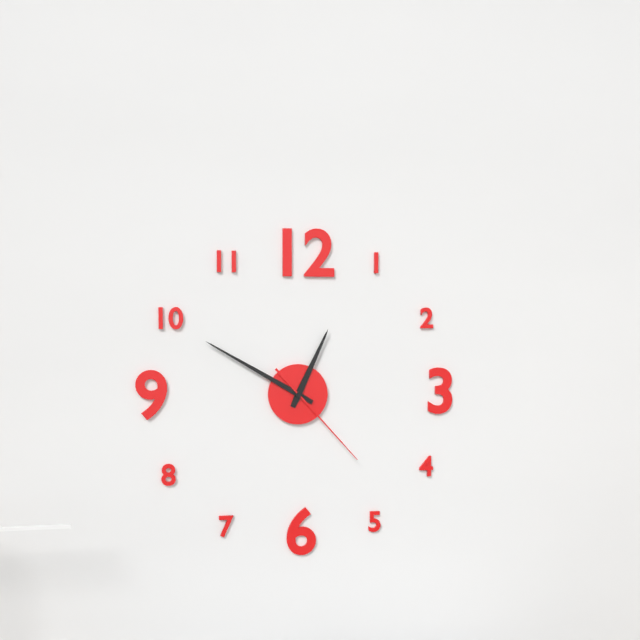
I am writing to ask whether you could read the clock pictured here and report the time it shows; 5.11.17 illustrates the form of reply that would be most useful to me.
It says 12.50.23
